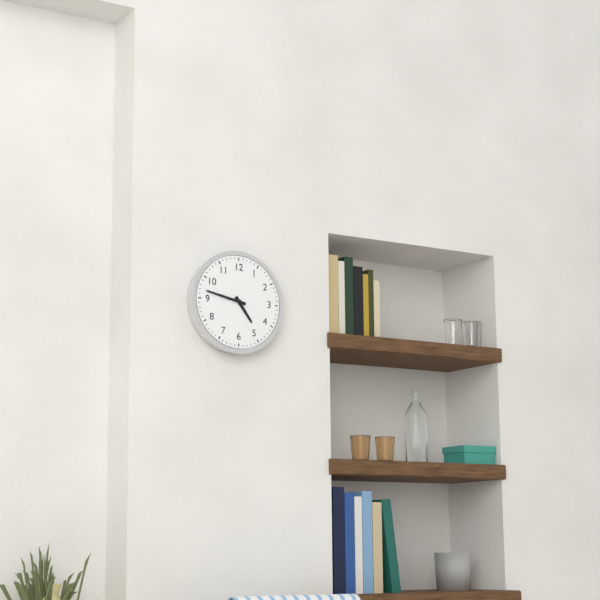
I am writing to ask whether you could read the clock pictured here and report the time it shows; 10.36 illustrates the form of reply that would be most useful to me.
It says 4.47
